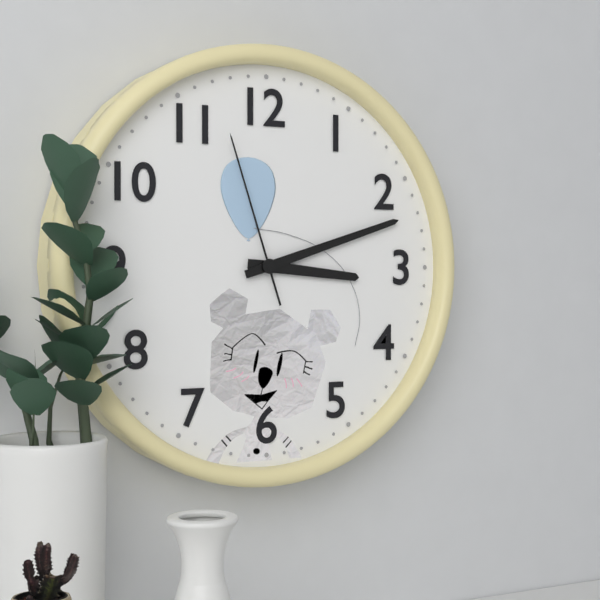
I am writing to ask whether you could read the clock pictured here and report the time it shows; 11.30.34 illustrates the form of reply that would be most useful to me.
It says 3.12.57
